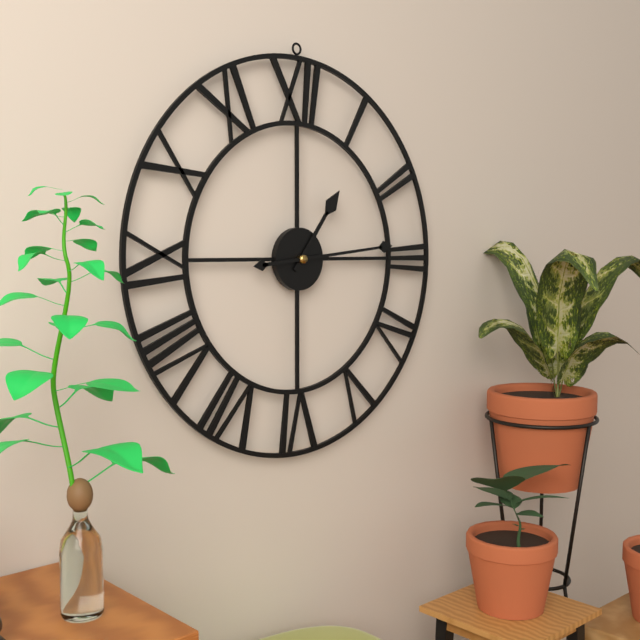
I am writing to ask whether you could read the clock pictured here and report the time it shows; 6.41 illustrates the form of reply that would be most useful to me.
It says 1.14
